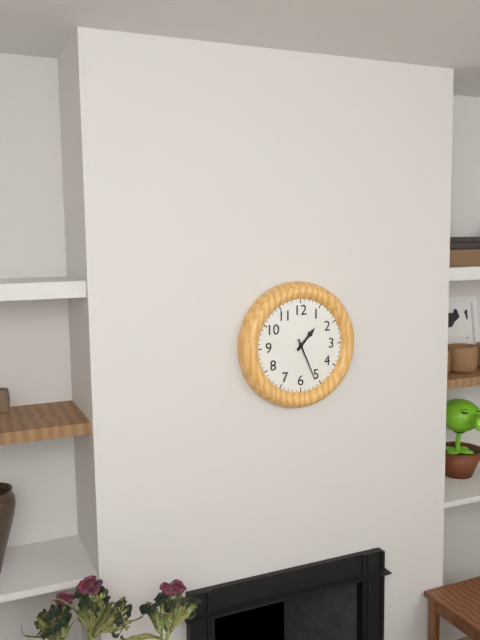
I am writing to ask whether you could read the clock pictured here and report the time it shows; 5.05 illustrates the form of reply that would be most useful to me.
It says 1.26
